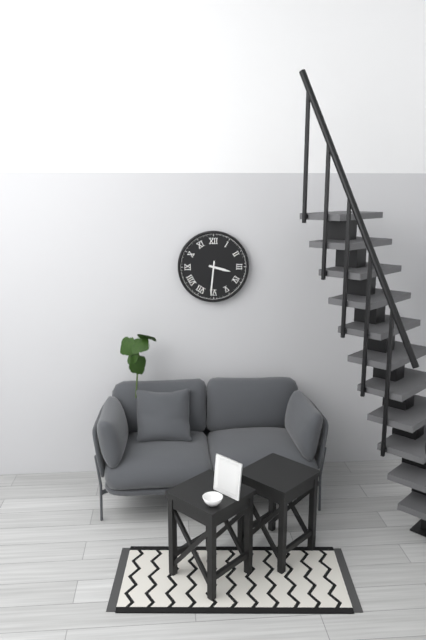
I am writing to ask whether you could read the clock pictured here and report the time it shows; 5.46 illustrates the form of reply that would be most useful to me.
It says 3.31
